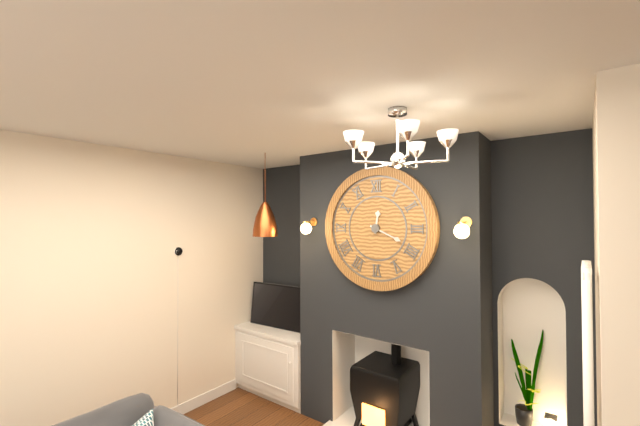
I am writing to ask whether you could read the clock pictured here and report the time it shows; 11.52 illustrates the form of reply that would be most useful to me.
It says 12.19
